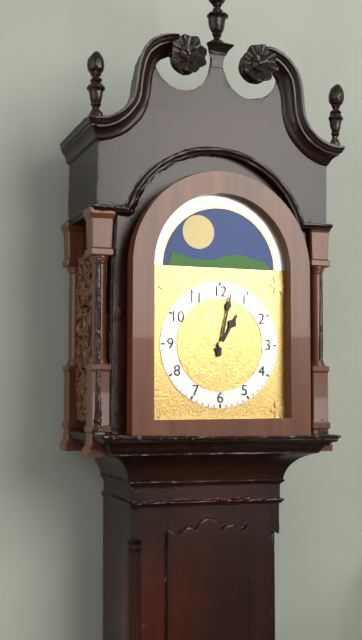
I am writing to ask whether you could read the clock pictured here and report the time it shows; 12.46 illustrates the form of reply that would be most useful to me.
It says 1.02
